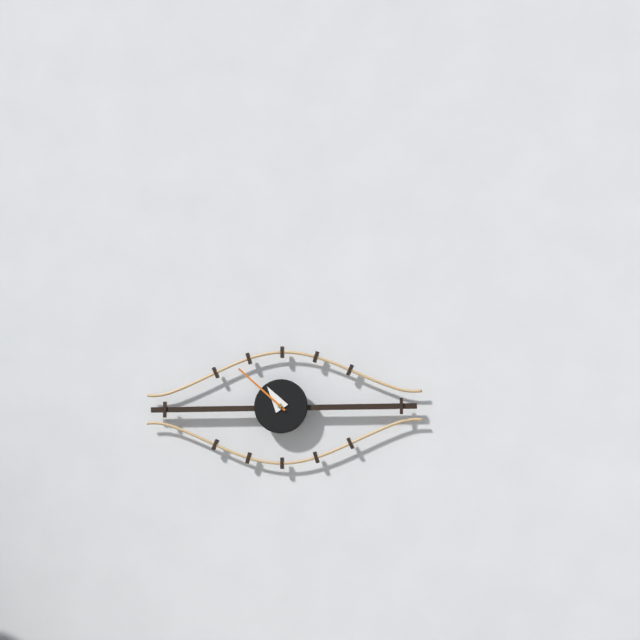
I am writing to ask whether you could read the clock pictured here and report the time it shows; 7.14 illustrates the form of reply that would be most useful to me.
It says 10.52
